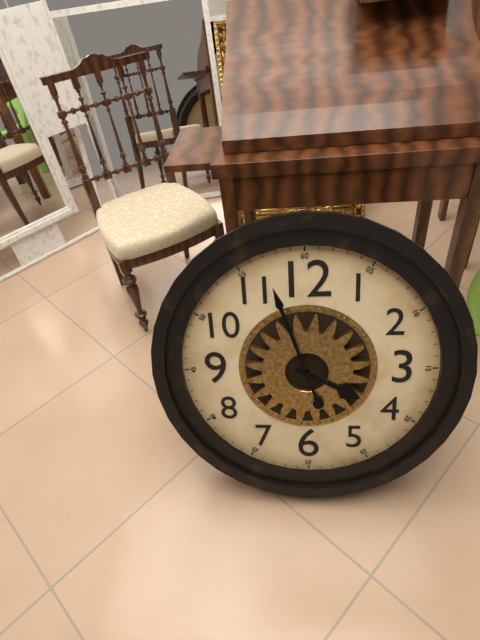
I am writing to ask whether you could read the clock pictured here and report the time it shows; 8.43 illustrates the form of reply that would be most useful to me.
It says 3.57
